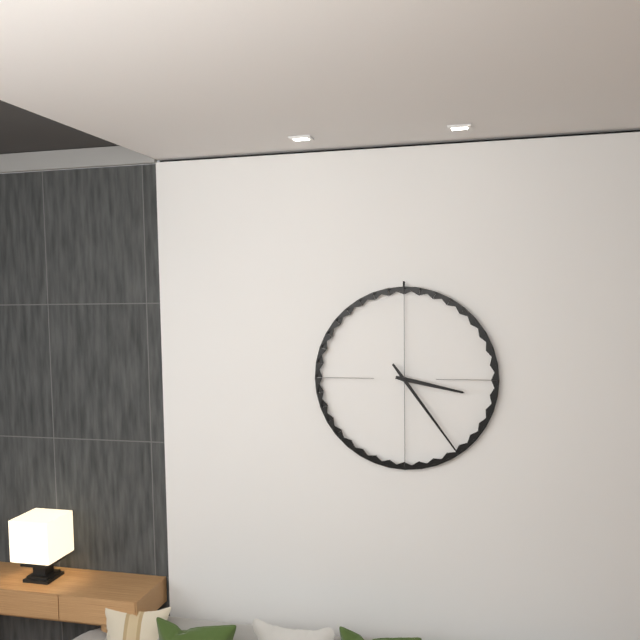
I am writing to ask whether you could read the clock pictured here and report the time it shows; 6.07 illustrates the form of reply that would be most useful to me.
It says 3.24
